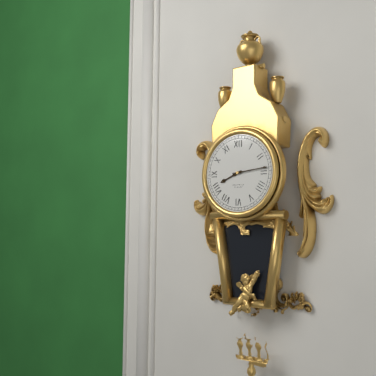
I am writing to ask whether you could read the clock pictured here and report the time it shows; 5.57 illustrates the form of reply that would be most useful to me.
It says 8.14
